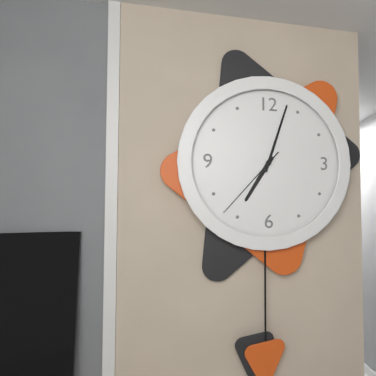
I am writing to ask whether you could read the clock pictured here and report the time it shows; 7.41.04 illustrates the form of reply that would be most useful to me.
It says 7.03.37
